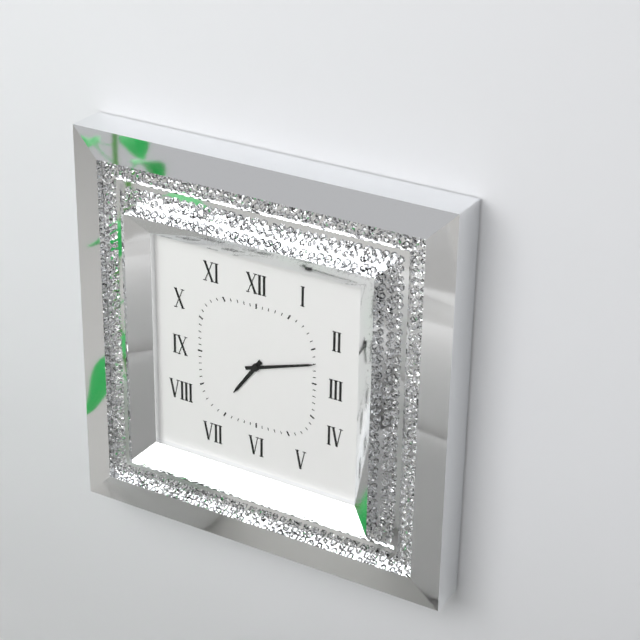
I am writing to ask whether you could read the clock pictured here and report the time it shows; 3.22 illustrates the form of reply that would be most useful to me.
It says 7.12
